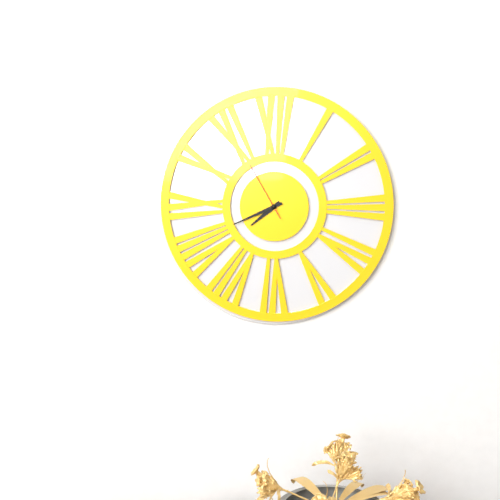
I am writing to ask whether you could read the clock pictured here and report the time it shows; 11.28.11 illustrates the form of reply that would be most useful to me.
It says 7.41.55
